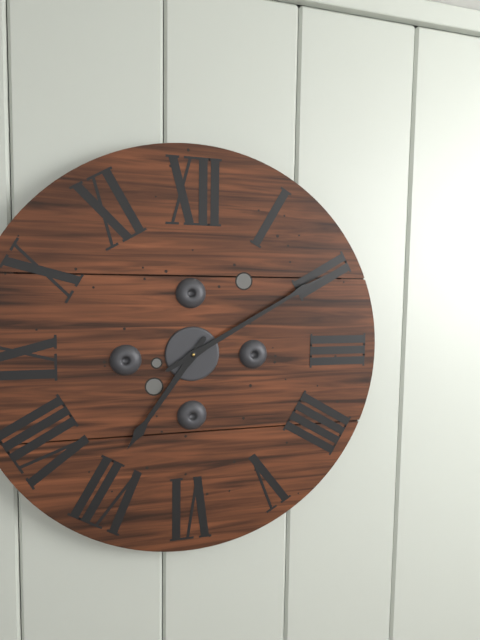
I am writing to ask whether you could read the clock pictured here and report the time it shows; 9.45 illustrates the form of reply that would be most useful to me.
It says 7.10
